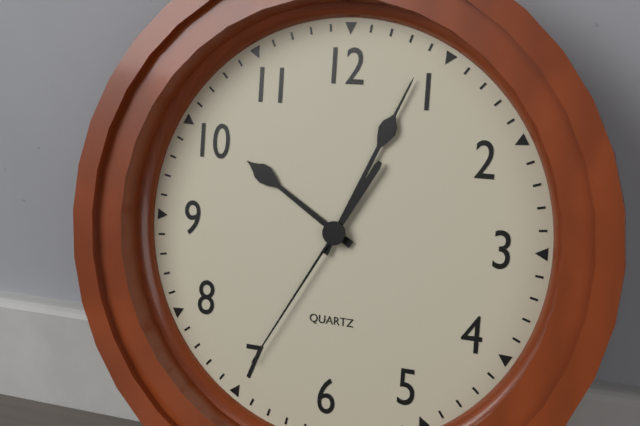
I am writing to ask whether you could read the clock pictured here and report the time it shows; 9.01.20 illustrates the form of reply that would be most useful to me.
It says 10.04.35
